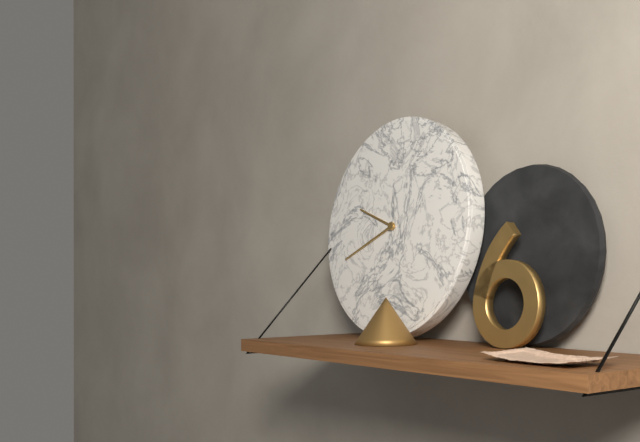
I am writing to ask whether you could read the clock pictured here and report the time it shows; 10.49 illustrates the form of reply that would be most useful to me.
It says 9.41
